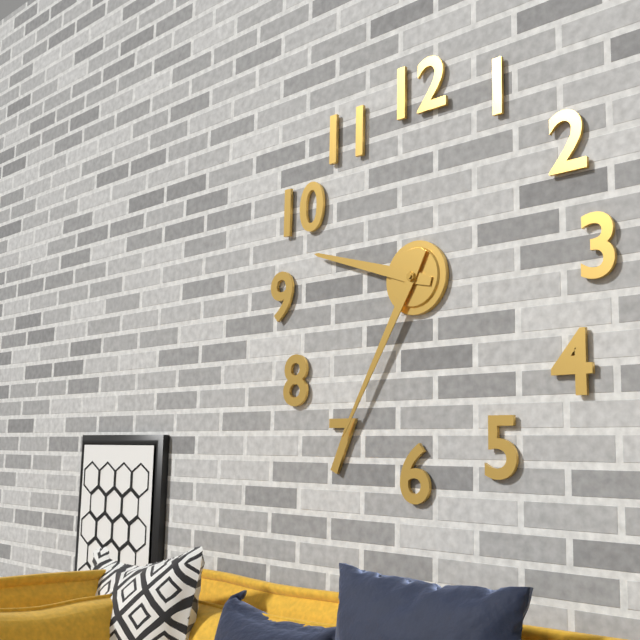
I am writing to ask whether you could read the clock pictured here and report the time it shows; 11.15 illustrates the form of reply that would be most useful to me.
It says 9.35
